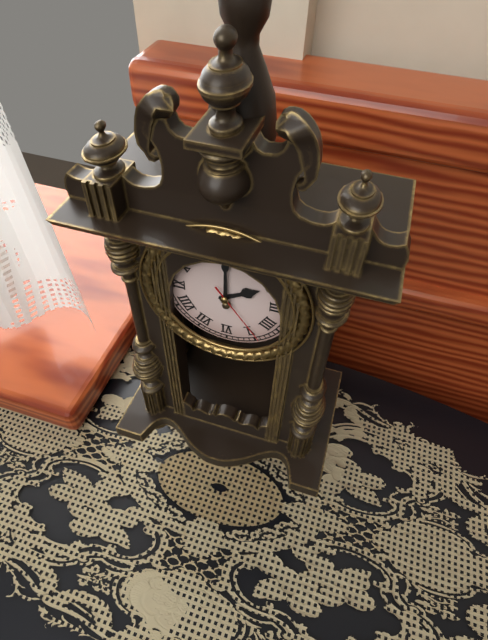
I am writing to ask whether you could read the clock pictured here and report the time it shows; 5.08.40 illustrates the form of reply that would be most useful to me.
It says 2.00.24
